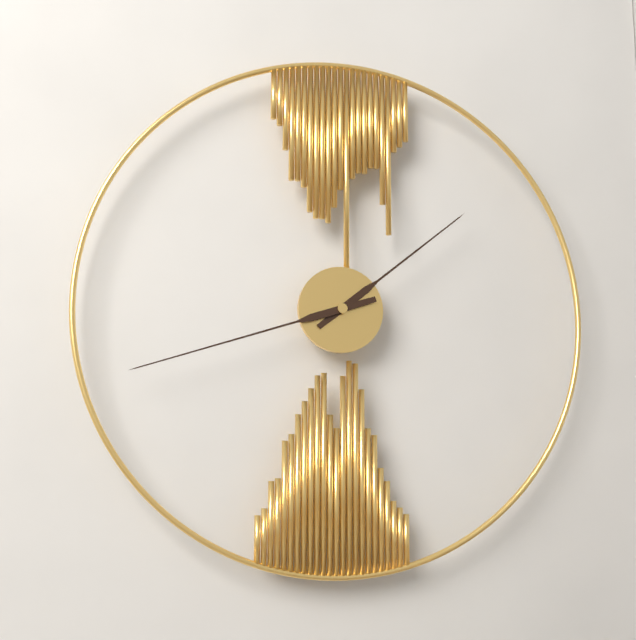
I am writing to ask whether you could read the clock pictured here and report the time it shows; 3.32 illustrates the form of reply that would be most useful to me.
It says 1.42
